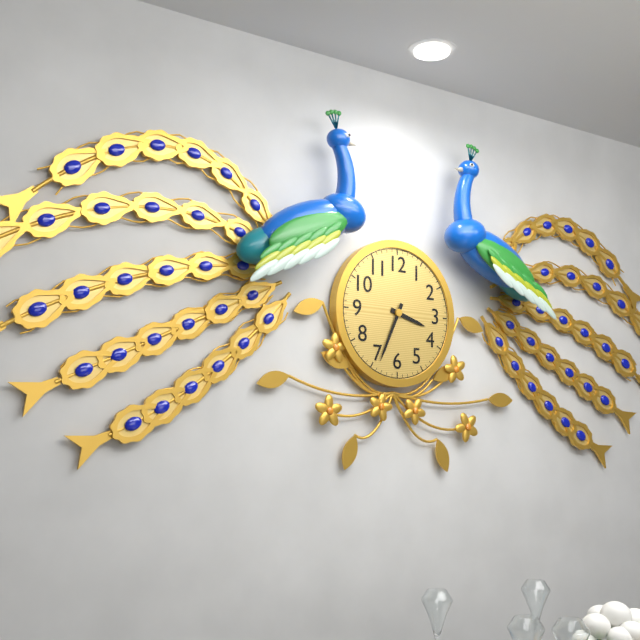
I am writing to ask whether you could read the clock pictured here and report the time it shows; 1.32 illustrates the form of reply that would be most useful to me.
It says 3.34
